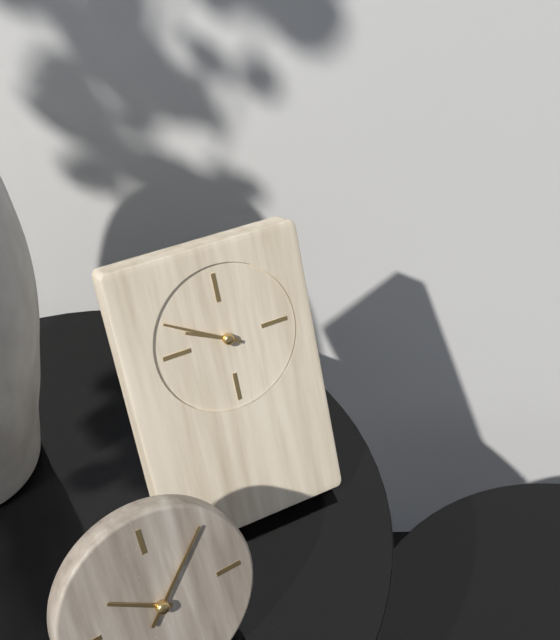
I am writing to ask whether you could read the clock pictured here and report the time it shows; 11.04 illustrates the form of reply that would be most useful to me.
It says 9.50
